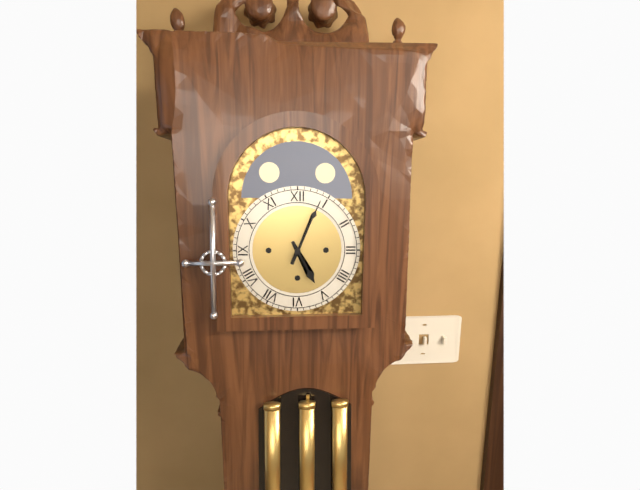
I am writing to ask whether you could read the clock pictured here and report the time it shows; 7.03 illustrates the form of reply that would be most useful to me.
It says 5.04
